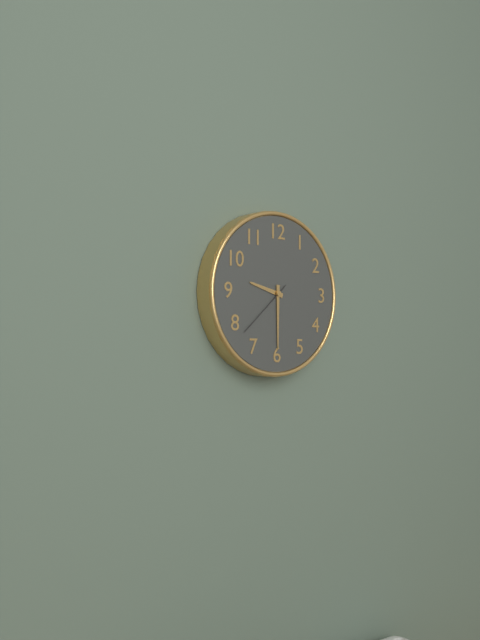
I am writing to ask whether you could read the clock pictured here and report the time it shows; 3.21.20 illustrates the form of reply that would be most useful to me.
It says 9.30.38
